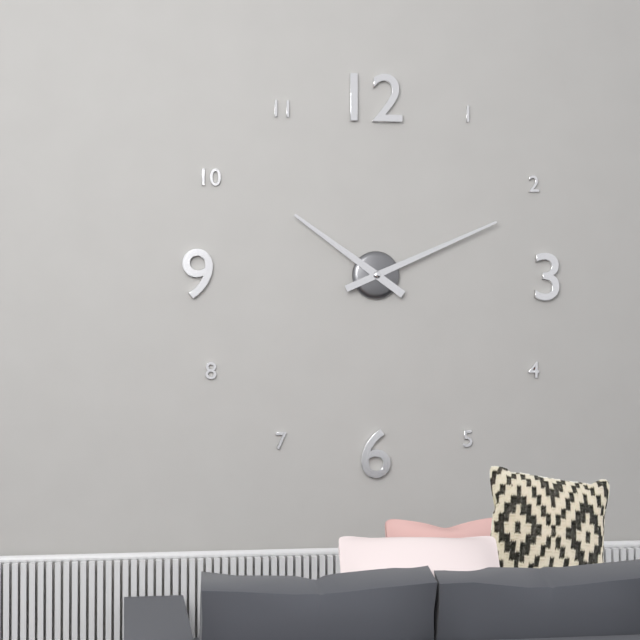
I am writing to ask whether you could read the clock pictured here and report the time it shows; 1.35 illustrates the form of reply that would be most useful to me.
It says 10.11
